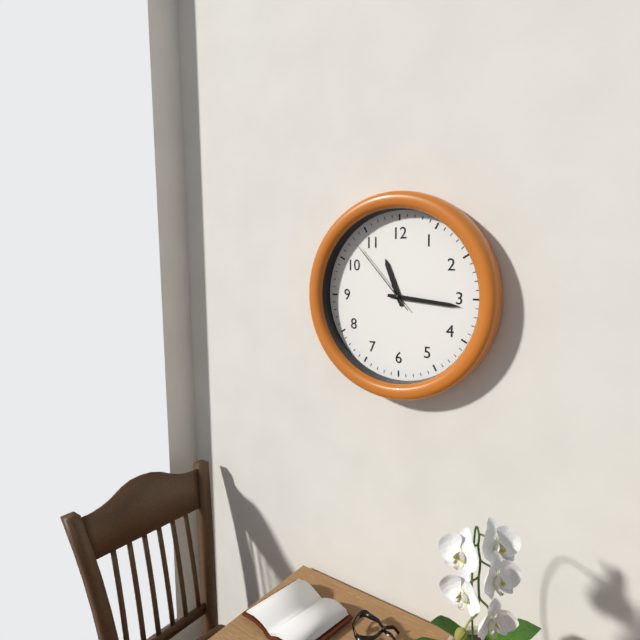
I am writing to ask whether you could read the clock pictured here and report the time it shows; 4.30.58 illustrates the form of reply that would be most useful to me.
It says 11.16.53
